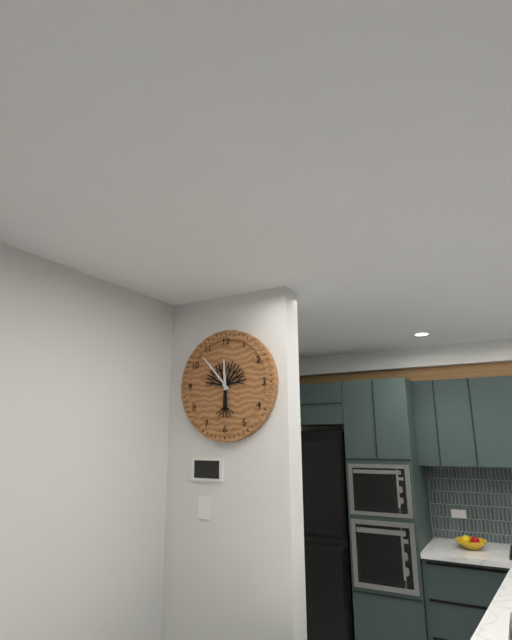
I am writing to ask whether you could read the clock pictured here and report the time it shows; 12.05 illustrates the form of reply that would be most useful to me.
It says 11.53
